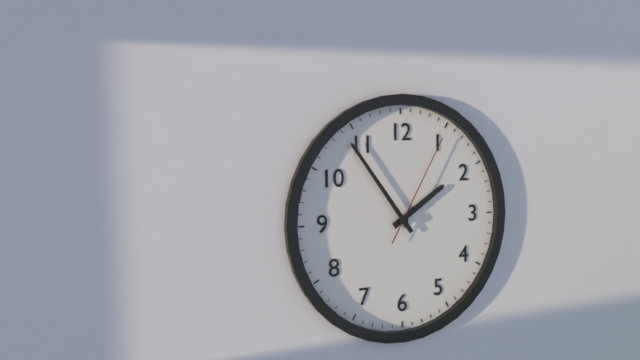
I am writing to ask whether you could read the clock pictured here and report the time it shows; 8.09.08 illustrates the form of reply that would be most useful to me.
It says 1.54.05
